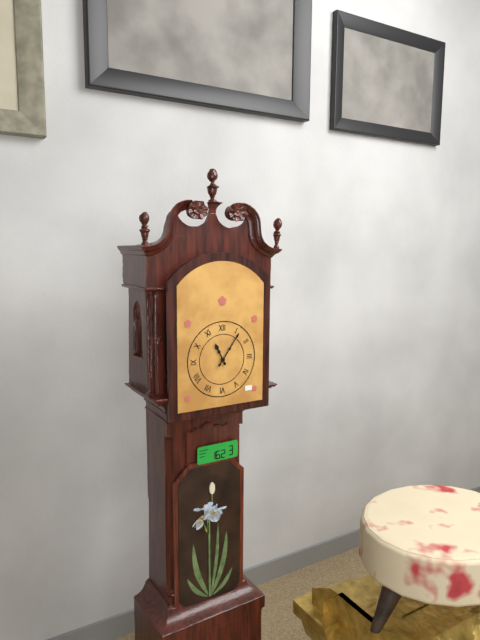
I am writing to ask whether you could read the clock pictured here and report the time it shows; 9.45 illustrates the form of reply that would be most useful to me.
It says 11.06
